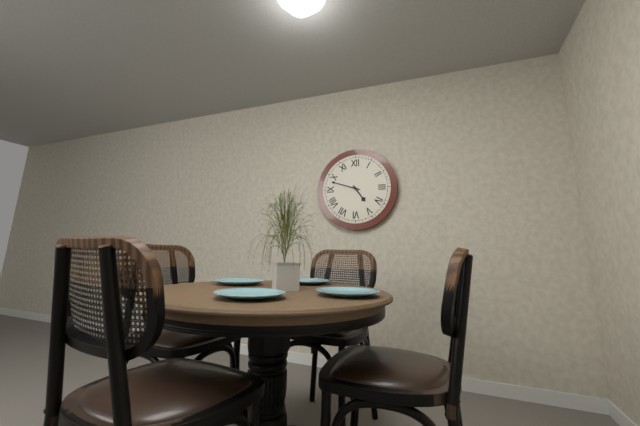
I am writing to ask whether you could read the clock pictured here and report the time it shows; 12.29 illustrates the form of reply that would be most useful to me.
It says 4.48
